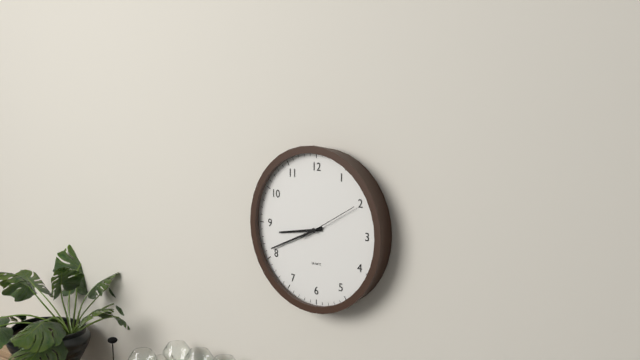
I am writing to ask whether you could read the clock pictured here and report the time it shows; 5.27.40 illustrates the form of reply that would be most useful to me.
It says 8.41.10
